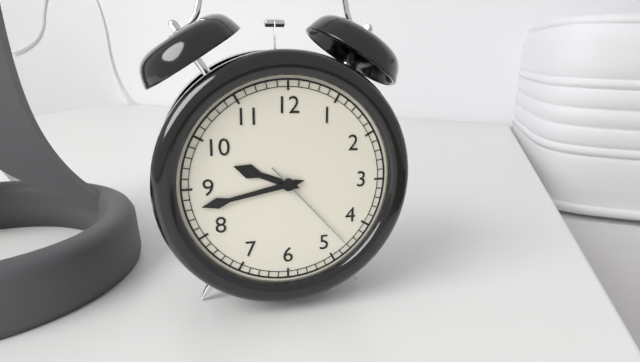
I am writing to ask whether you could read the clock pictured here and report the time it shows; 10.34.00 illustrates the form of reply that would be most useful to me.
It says 9.43.23
